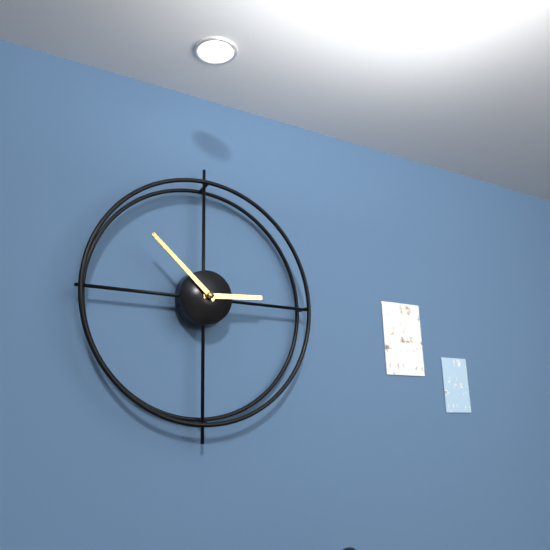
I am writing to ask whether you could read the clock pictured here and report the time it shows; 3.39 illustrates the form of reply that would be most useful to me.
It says 2.52
